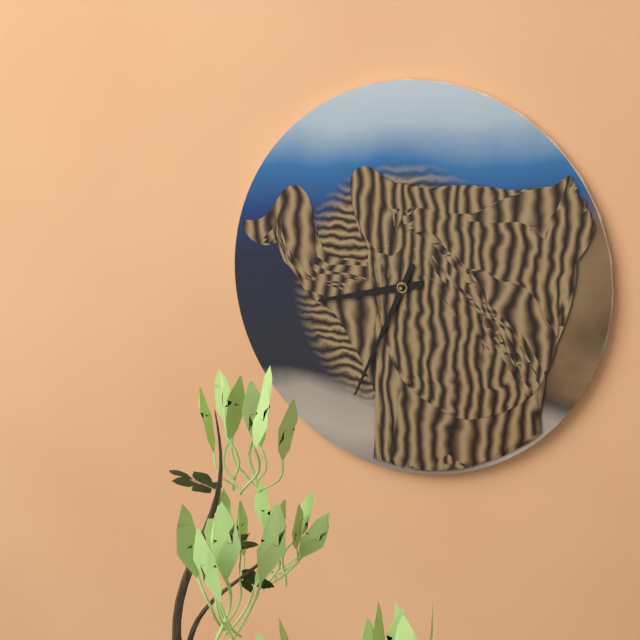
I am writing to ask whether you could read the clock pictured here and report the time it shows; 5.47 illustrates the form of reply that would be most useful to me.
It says 8.34
